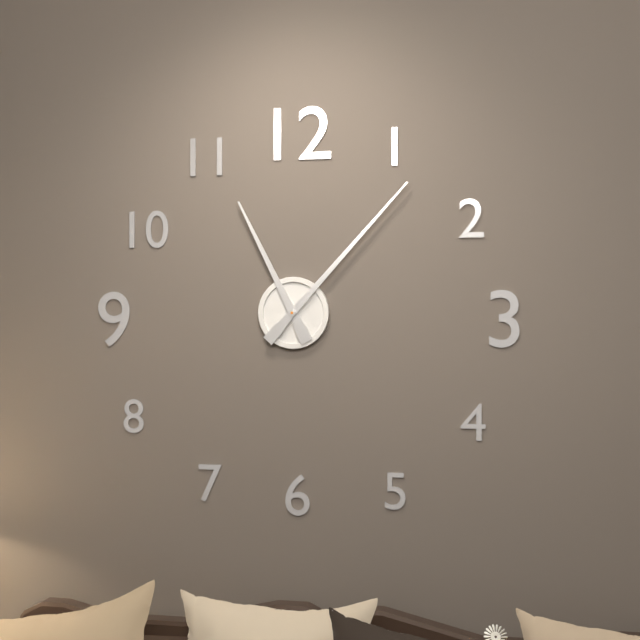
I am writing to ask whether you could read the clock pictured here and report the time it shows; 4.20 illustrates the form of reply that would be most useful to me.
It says 11.07
